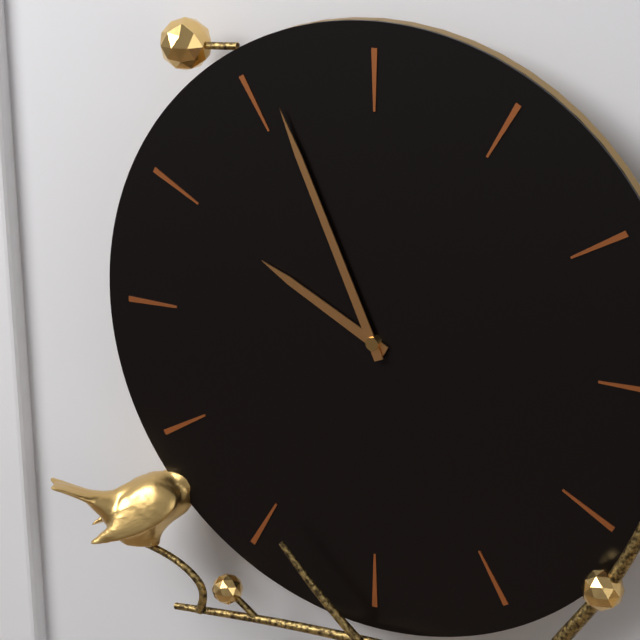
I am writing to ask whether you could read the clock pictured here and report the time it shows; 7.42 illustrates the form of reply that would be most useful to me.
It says 9.56
